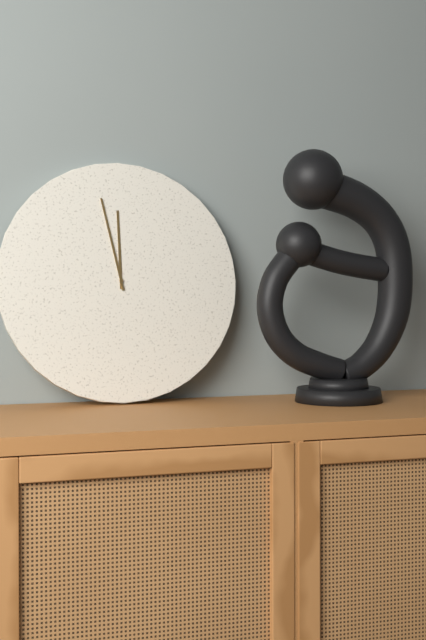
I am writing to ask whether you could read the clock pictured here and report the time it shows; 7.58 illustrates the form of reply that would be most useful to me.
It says 11.58
